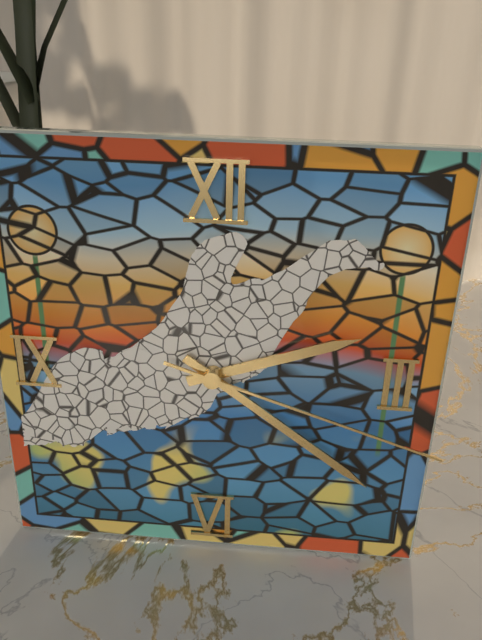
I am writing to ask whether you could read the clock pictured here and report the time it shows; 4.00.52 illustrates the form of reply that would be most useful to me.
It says 2.21.18
